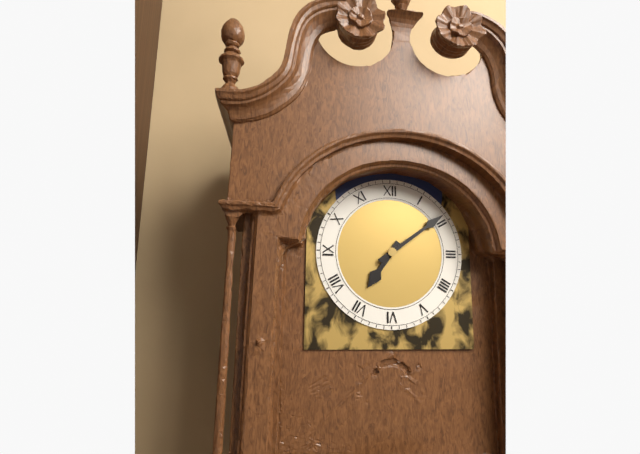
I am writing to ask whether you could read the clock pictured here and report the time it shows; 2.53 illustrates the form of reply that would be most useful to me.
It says 7.09
